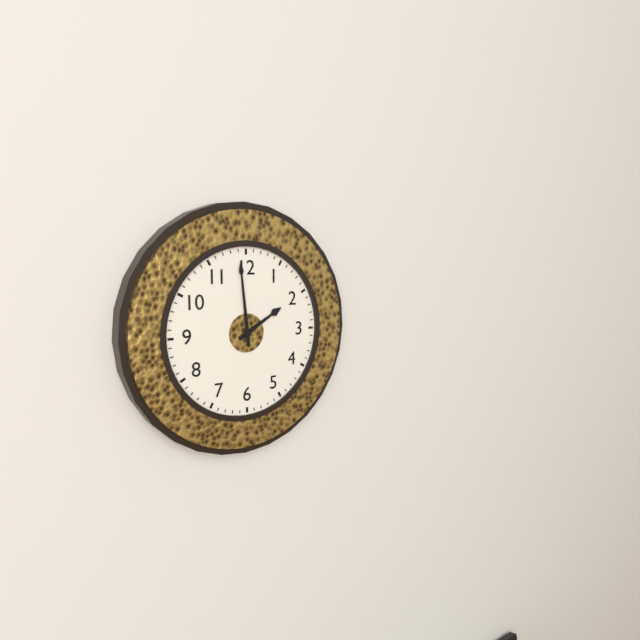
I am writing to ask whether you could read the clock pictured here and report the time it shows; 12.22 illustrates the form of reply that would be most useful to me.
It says 1.59
